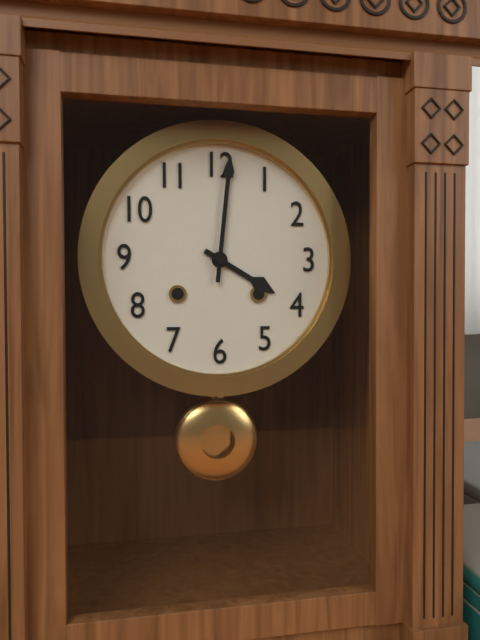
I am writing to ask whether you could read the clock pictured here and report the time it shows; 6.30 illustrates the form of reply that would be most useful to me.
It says 4.01
